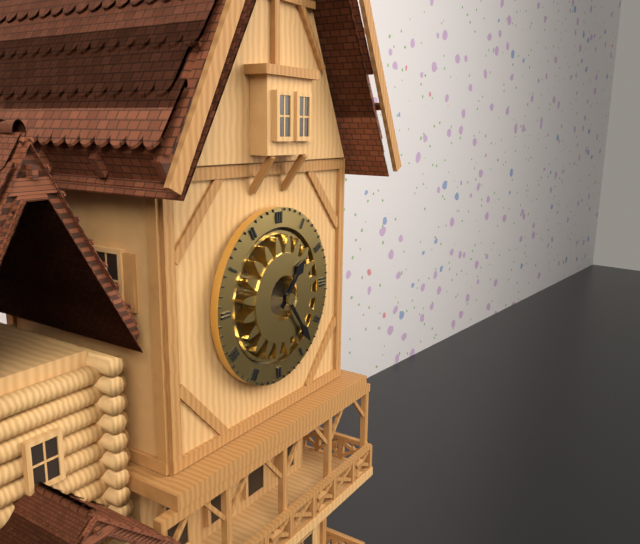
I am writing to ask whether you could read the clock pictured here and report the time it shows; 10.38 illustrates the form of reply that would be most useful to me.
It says 1.24
